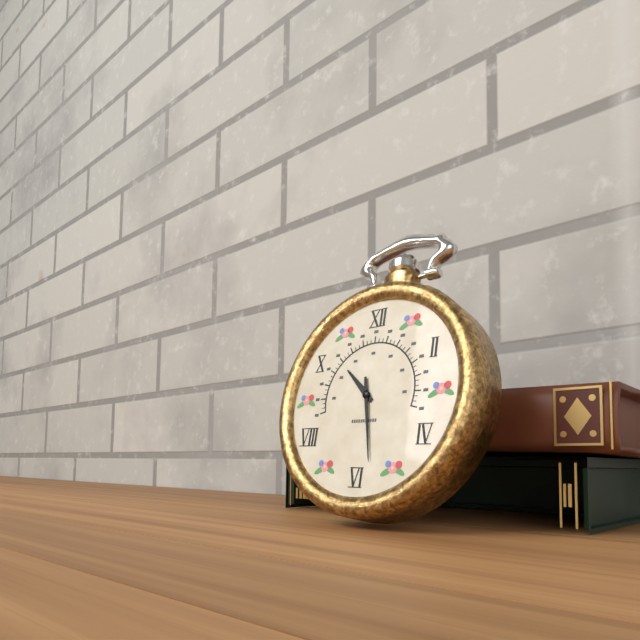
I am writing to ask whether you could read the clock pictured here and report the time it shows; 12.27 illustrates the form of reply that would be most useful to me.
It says 10.28
